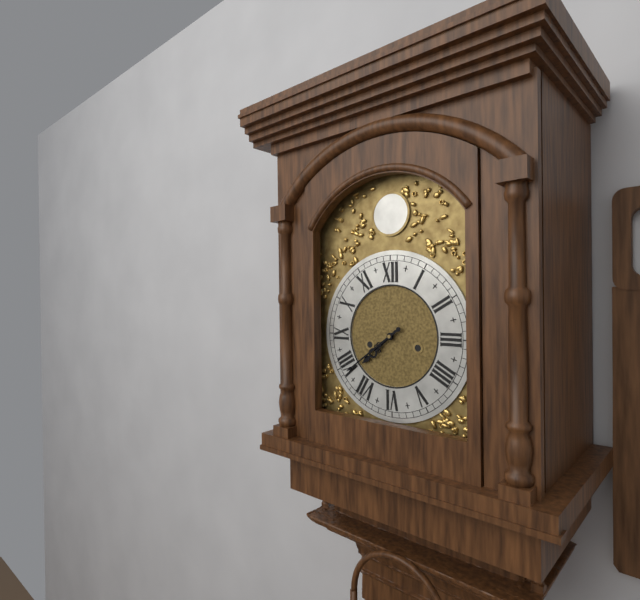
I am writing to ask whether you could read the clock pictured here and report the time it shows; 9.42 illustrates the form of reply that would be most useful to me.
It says 7.39
